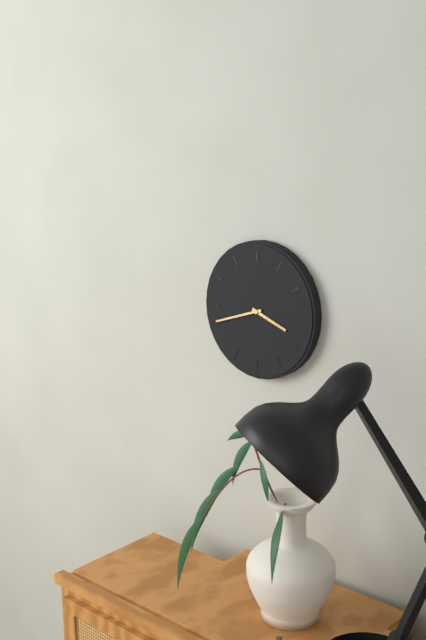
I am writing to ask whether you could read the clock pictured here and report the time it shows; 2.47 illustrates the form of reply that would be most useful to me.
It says 3.42
